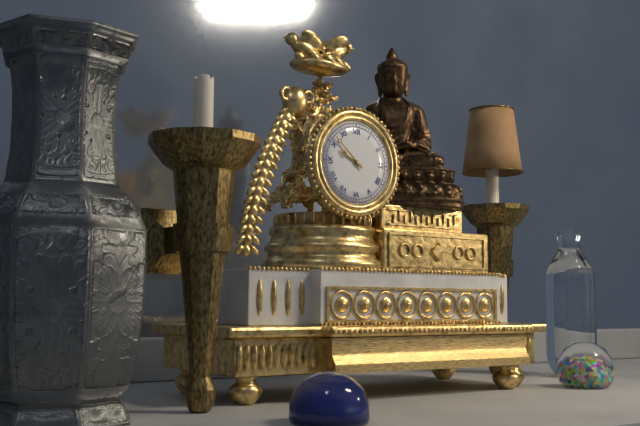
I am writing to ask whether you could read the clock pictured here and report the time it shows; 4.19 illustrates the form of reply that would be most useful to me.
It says 9.52
